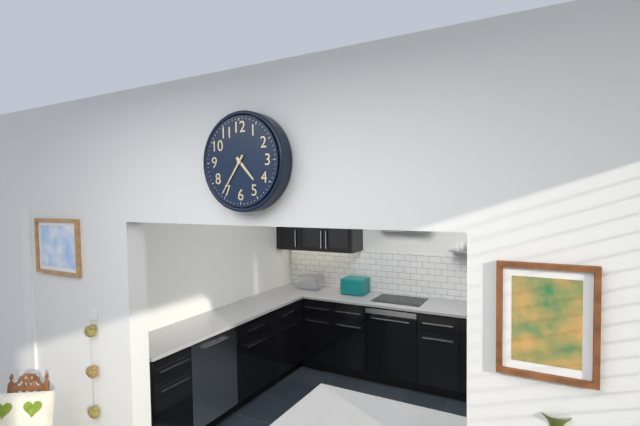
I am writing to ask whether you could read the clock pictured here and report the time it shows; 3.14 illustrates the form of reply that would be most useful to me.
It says 4.36
